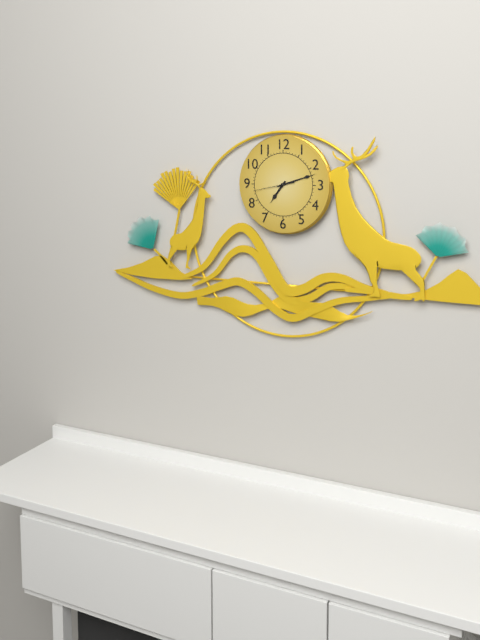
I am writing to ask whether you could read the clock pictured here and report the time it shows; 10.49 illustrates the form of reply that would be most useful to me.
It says 7.12
